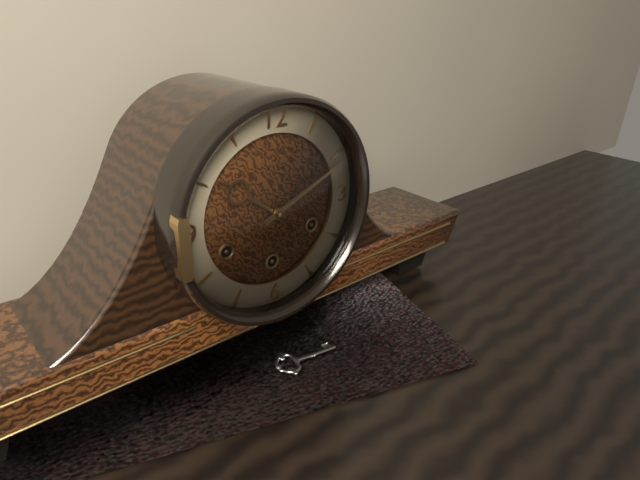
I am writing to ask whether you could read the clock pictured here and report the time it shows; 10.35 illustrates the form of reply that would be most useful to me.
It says 10.11
